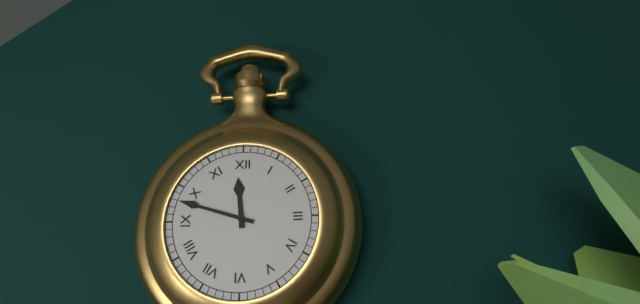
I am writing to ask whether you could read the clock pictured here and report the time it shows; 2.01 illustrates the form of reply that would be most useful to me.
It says 11.48
